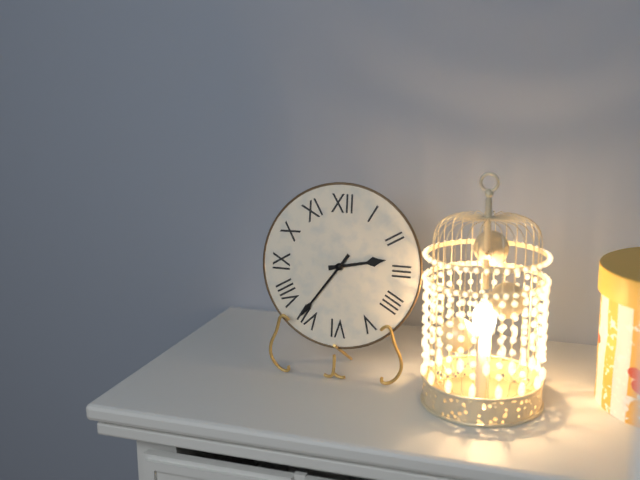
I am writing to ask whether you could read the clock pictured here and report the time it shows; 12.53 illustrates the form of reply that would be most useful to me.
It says 2.36
